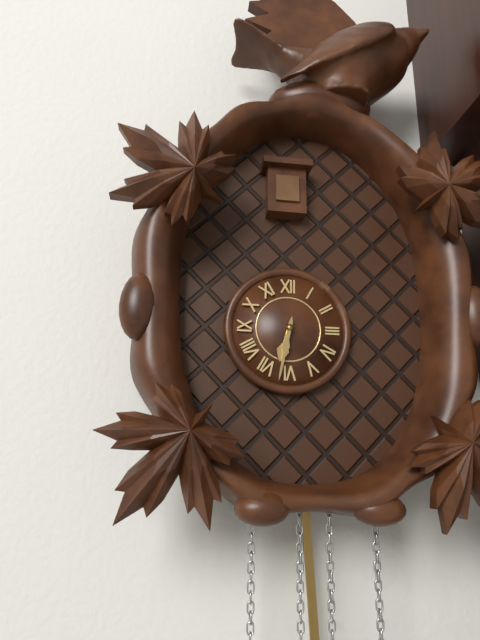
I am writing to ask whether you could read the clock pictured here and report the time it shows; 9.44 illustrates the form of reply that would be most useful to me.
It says 6.32
